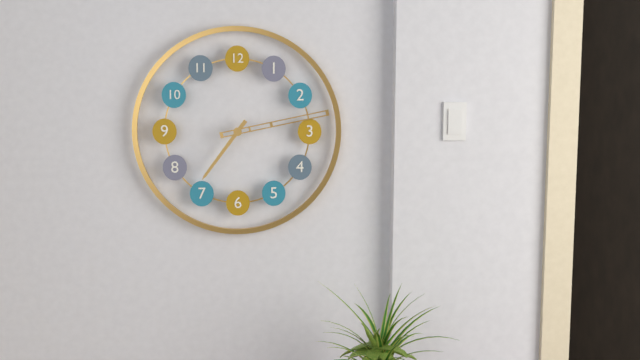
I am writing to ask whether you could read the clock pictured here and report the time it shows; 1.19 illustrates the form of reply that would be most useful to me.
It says 7.13
